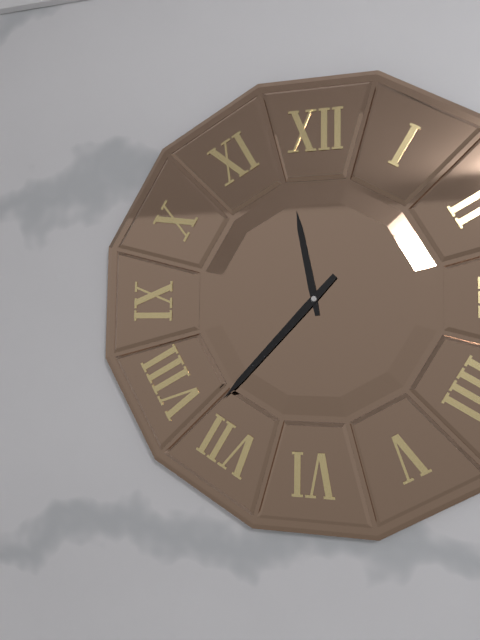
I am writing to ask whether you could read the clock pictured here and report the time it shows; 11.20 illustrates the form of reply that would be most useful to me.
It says 11.37
